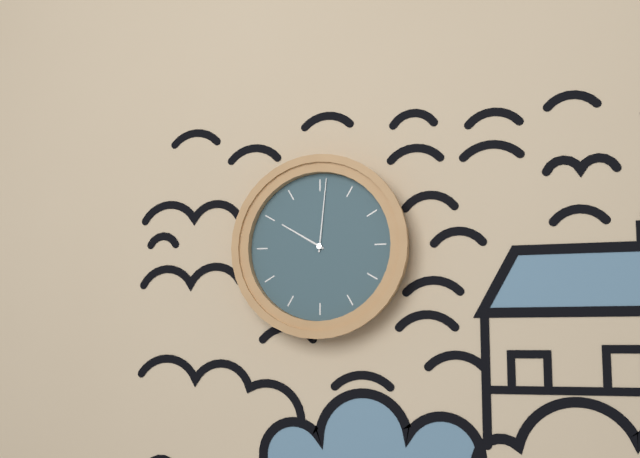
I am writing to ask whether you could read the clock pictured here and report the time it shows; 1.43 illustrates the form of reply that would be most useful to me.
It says 10.01
